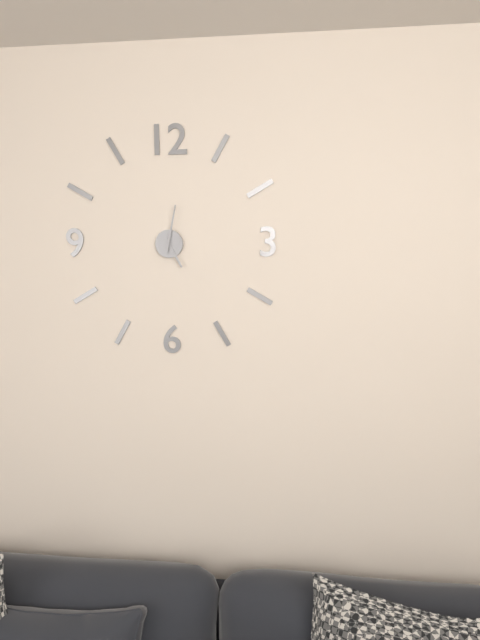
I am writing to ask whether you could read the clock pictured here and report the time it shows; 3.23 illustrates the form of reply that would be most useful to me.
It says 5.02
